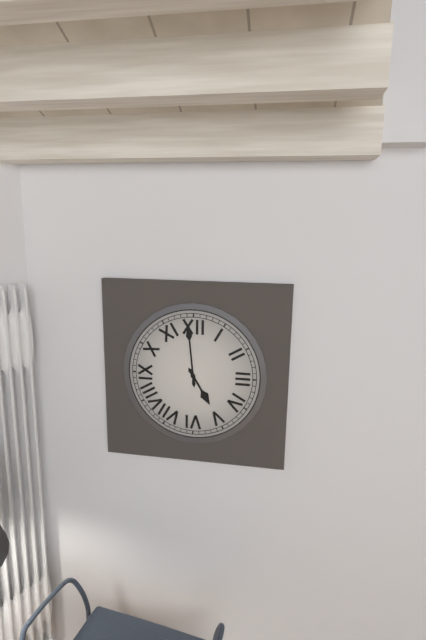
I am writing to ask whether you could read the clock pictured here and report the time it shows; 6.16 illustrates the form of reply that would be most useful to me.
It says 4.59
